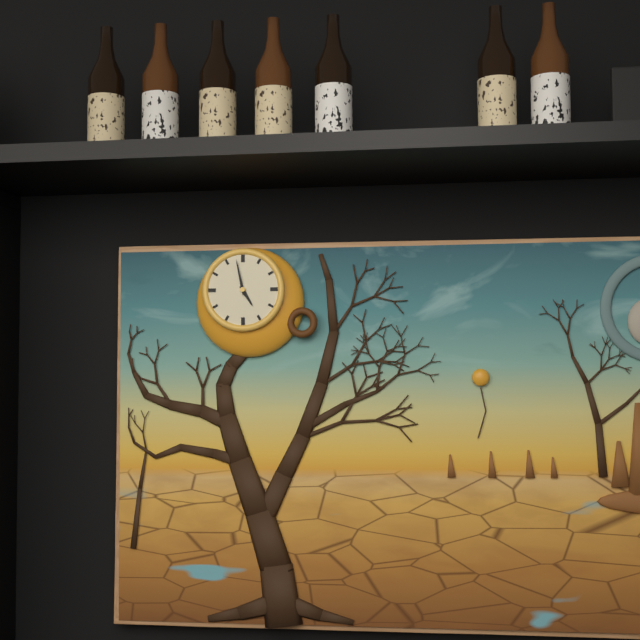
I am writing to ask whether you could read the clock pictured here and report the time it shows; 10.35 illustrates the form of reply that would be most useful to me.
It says 4.58
